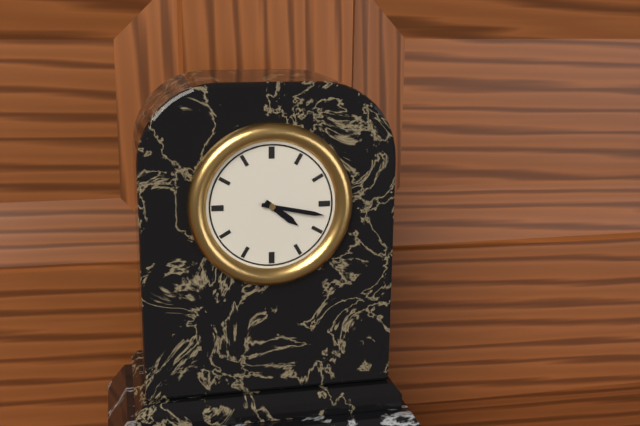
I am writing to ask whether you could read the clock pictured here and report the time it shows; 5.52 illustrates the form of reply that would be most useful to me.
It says 4.17
